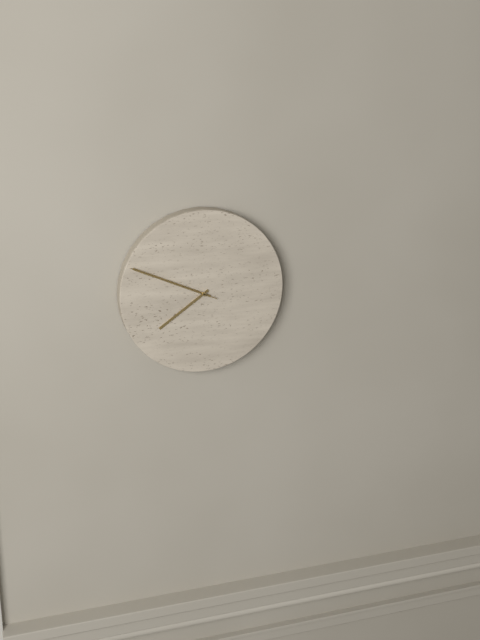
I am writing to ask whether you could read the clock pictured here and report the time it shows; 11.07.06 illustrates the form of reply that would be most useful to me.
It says 7.49.49
